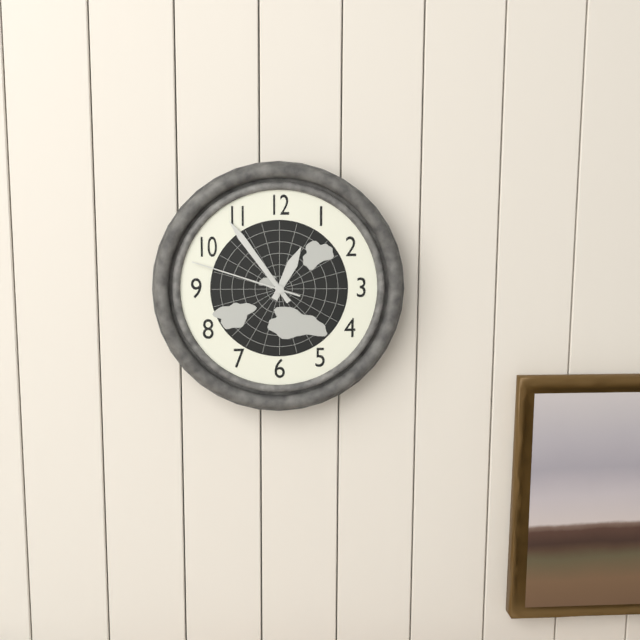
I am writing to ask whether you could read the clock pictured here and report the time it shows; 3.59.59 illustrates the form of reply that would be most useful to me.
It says 12.54.48
